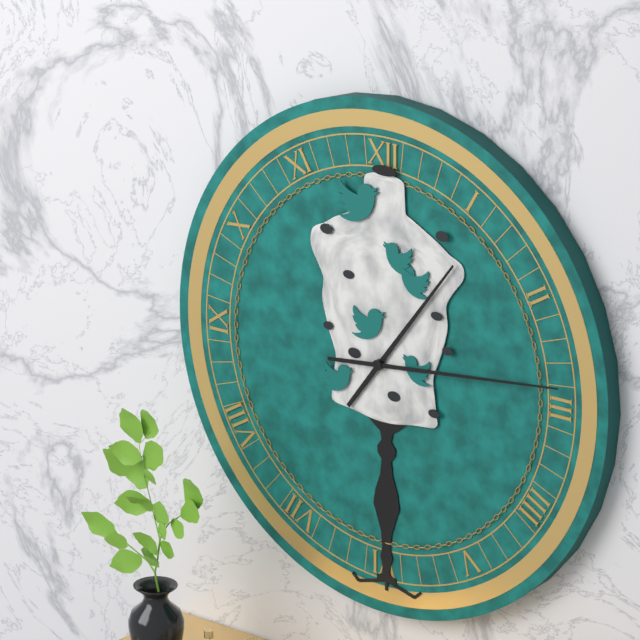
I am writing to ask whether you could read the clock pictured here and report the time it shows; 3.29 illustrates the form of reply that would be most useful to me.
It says 1.14
